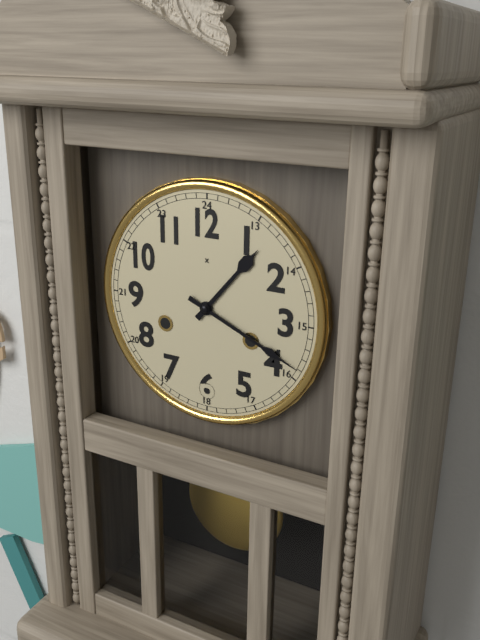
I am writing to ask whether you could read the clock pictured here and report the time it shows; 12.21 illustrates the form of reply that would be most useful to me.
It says 1.19
